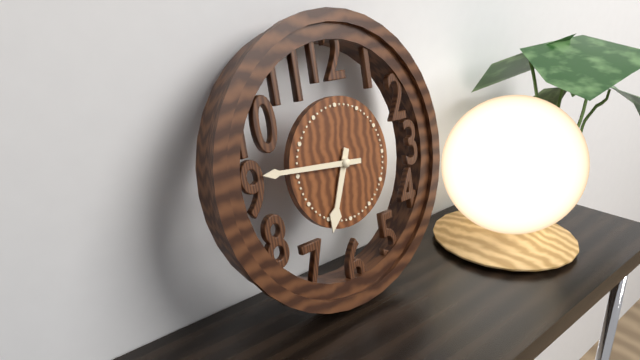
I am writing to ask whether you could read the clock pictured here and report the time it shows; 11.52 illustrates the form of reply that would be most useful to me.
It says 6.46
